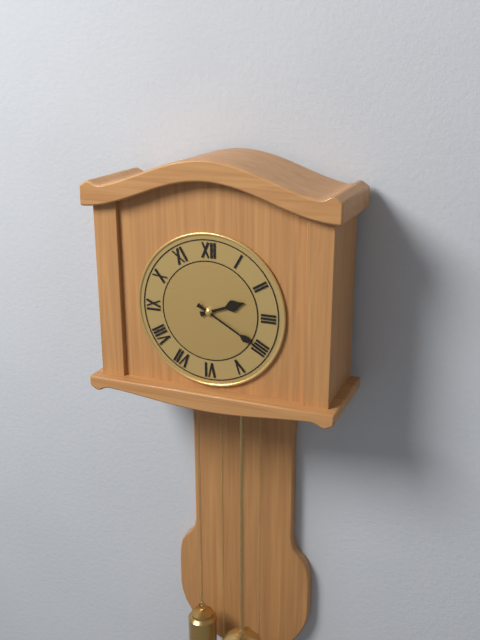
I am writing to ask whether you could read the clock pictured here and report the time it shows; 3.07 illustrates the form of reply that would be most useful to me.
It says 2.20
